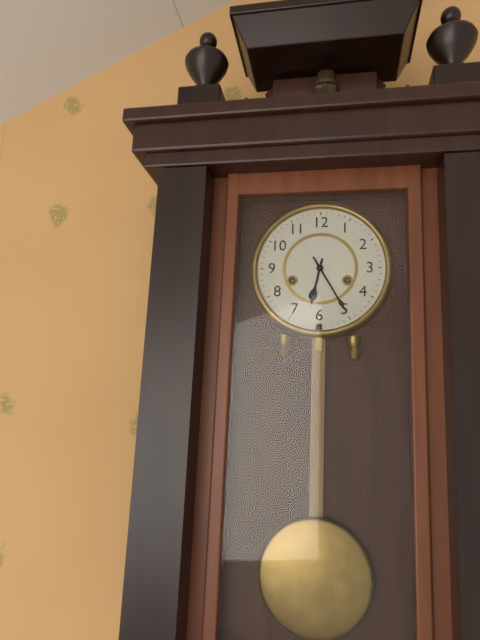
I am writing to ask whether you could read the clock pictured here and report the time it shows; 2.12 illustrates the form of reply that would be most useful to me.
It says 6.25
